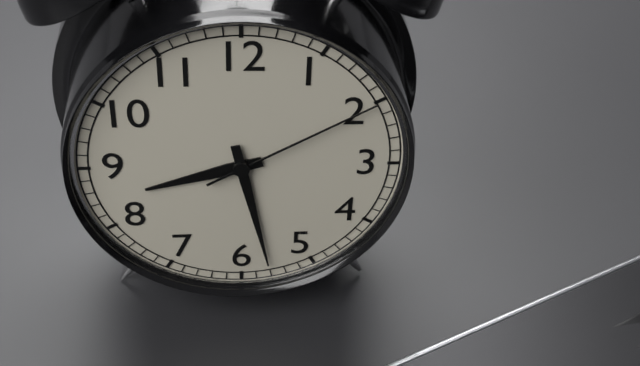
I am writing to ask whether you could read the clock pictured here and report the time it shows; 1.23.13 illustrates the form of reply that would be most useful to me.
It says 8.28.10
